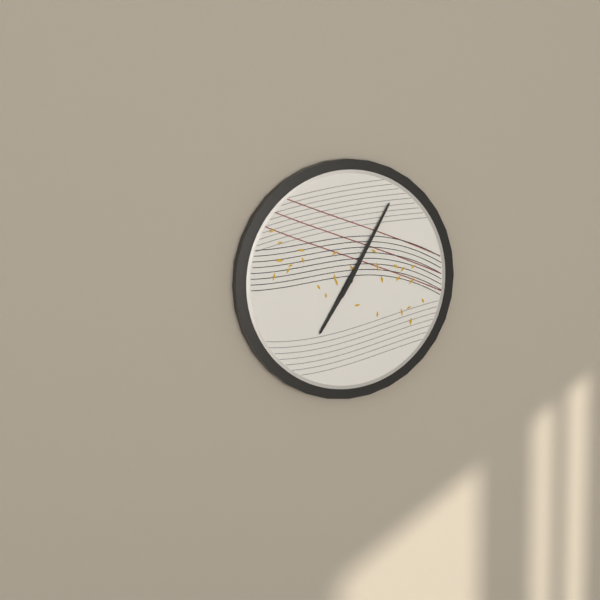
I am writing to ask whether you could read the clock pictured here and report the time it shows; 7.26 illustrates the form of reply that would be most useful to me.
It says 7.05
